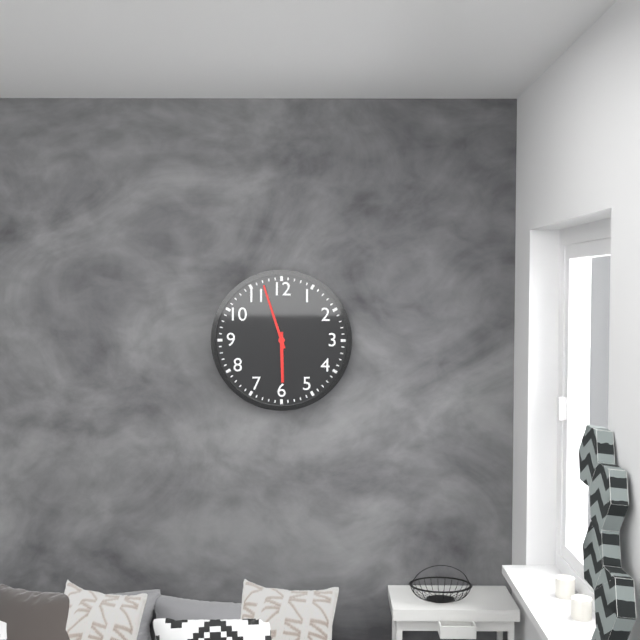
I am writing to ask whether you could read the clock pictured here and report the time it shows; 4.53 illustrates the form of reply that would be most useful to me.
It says 5.57
